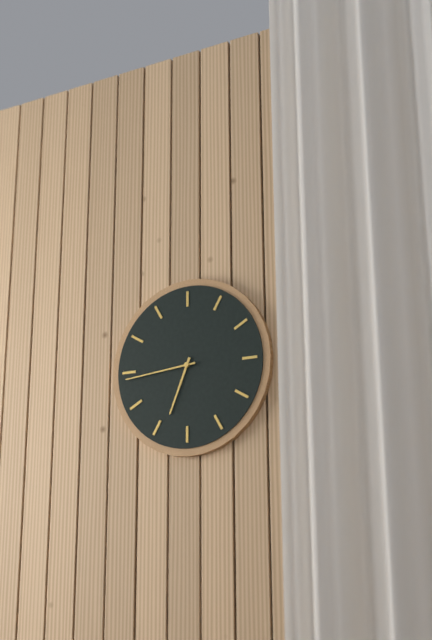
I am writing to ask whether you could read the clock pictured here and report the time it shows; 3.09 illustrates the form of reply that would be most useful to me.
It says 6.44
